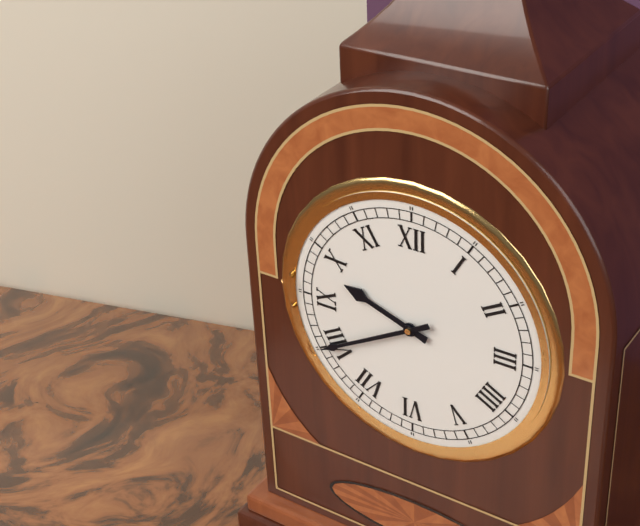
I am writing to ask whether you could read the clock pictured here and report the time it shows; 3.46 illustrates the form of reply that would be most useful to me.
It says 9.40
